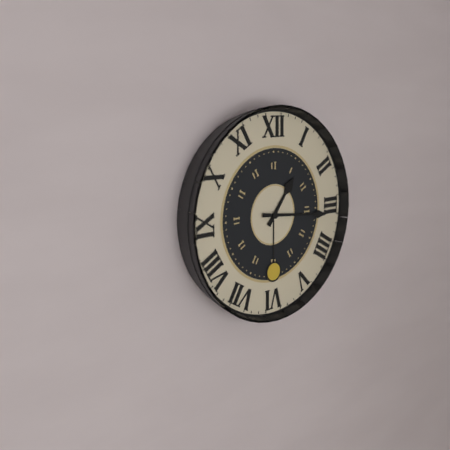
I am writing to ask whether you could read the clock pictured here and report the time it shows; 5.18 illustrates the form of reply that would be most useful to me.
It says 1.16
